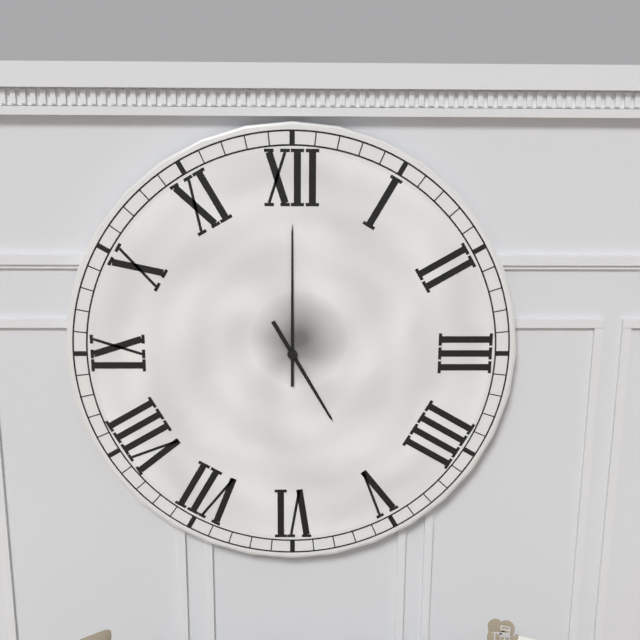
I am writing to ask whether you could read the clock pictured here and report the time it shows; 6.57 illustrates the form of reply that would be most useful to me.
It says 5.00
